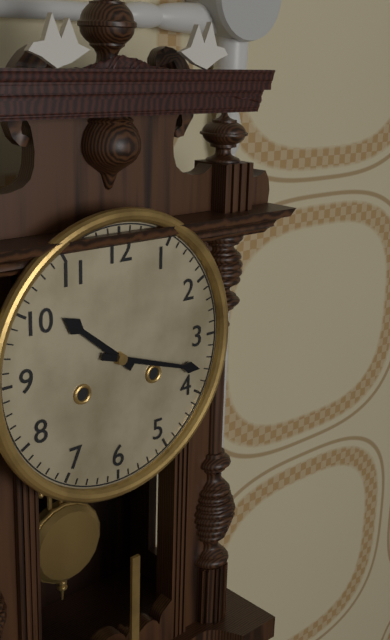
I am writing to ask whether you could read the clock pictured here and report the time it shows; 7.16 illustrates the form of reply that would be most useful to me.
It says 10.18
